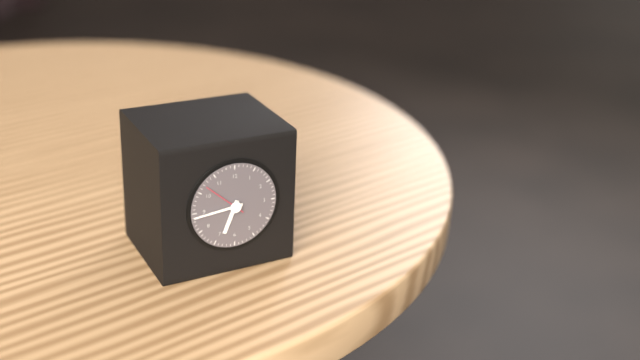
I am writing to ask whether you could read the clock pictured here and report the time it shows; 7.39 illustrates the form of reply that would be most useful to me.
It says 6.44
